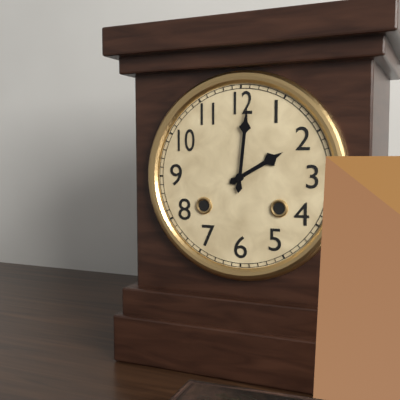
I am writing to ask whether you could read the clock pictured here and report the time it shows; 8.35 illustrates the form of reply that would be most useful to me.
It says 2.01
